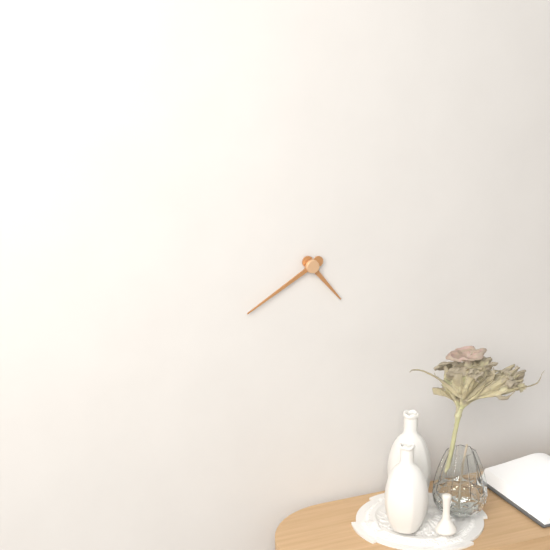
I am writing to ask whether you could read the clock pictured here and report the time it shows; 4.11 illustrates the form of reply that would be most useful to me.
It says 4.40
